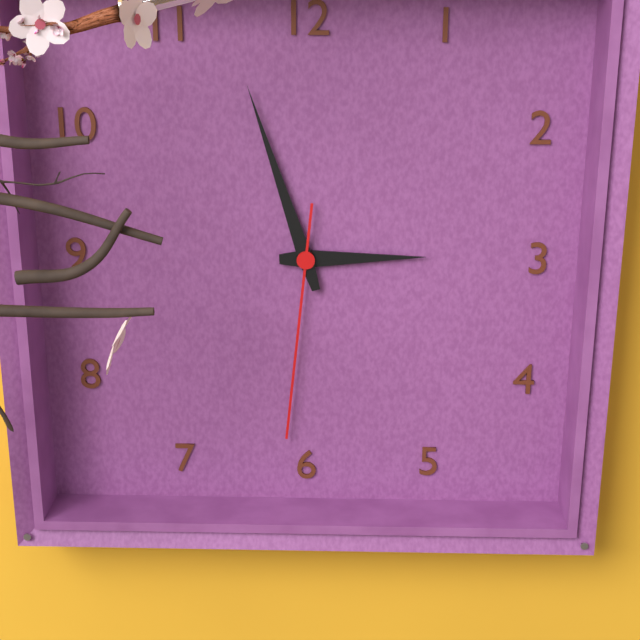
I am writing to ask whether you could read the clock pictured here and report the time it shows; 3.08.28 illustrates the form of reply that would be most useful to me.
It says 2.57.31
